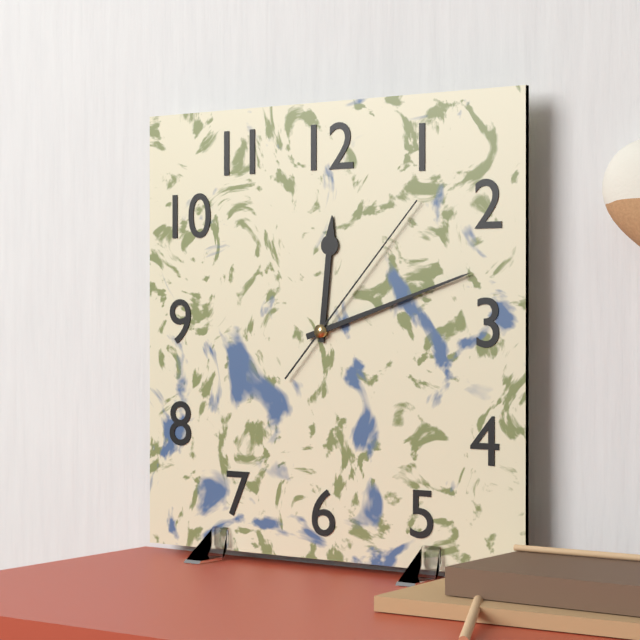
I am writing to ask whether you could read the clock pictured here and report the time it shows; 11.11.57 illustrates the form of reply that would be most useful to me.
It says 12.12.07
